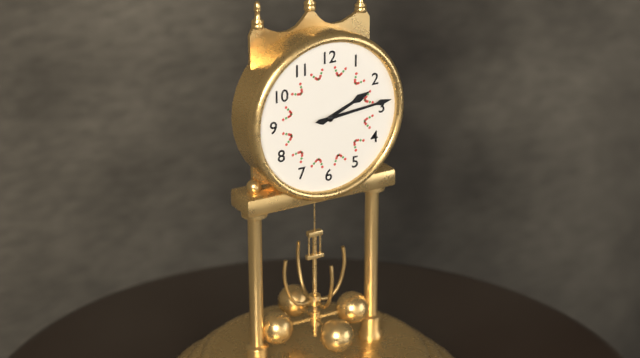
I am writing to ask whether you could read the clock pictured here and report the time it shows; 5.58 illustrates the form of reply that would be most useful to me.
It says 2.14
